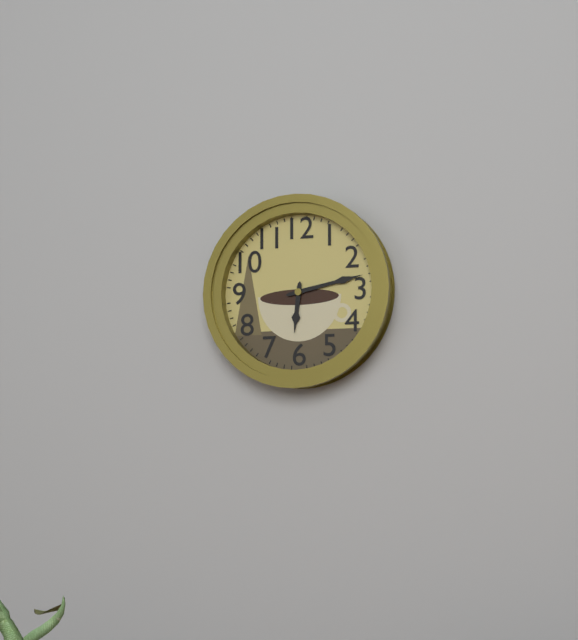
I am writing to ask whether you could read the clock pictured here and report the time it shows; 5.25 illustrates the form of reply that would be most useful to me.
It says 6.13
